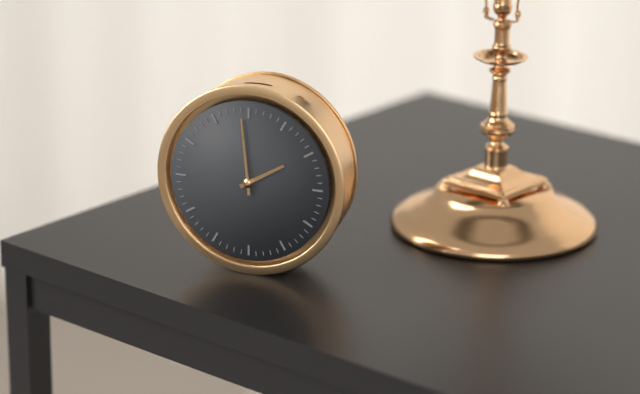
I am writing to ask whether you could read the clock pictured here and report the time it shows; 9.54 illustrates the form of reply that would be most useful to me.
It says 1.59
